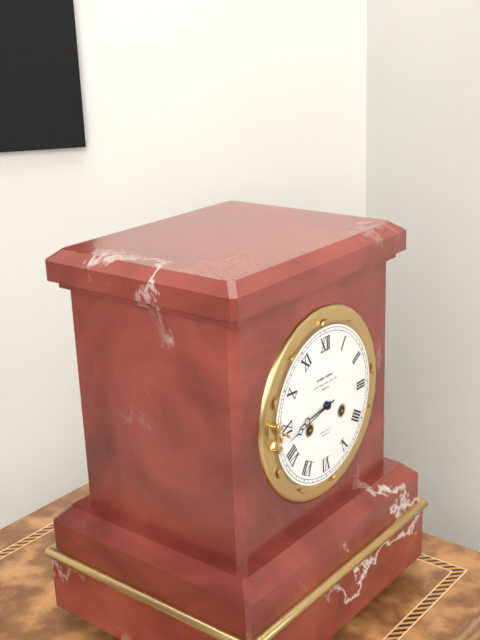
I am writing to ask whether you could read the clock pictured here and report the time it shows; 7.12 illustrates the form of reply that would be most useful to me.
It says 8.43
